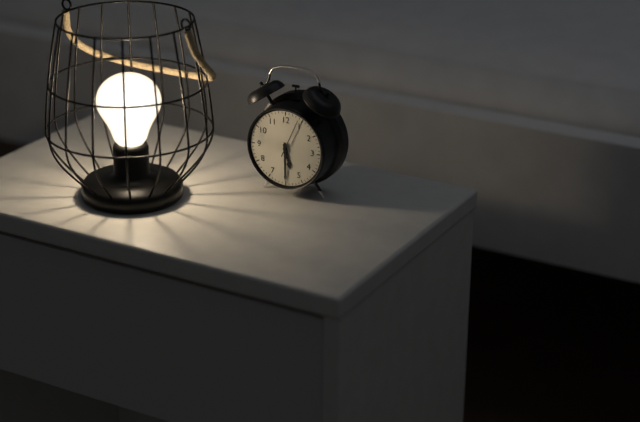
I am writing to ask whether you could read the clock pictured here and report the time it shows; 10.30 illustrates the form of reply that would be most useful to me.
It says 5.30
